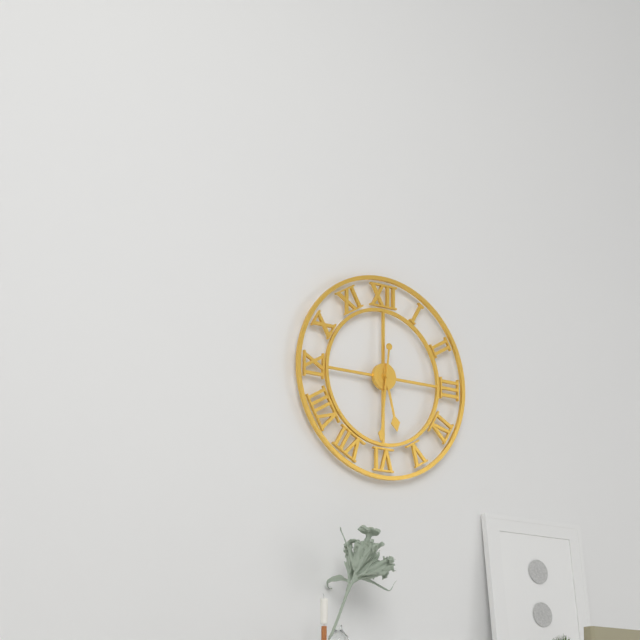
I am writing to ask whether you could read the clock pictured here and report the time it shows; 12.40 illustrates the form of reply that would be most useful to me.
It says 5.31
